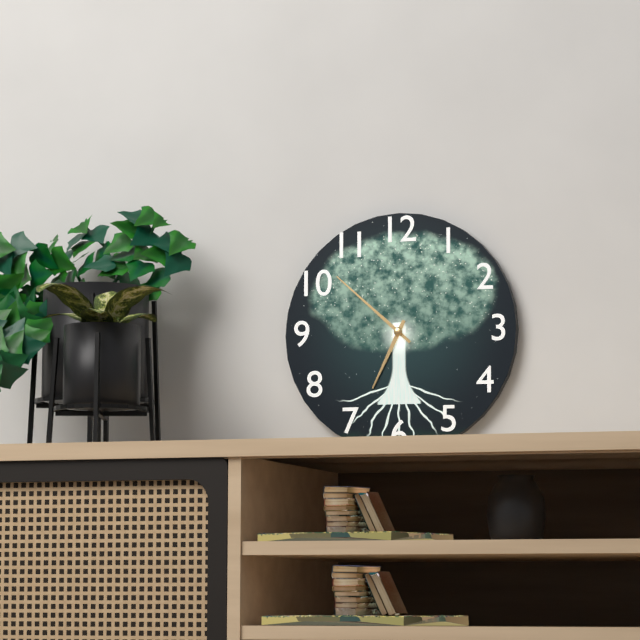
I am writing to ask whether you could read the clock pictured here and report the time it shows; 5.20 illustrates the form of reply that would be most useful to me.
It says 6.52
